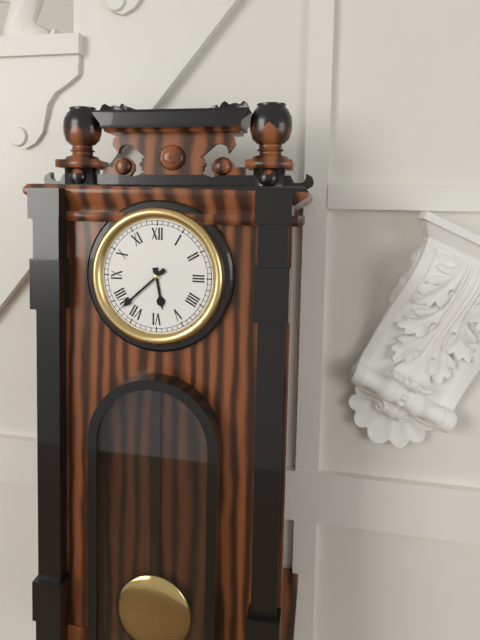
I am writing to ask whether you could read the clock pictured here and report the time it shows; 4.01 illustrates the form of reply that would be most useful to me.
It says 5.38
